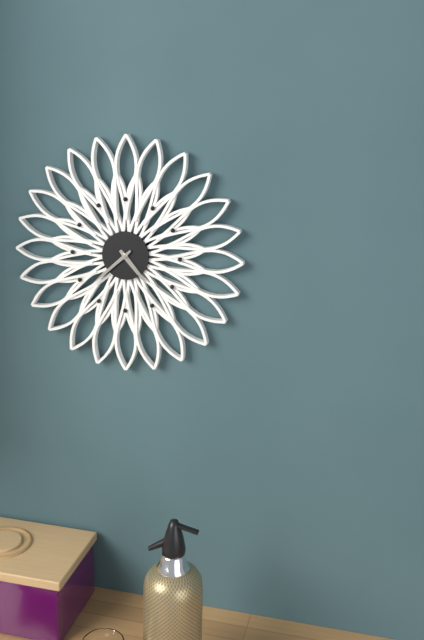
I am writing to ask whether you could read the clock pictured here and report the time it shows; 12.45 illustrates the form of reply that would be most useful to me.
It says 4.38
